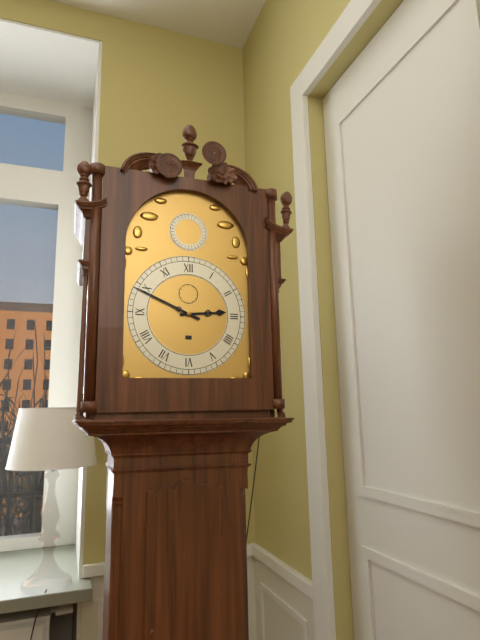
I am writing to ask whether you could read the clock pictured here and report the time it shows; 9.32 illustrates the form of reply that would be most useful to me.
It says 2.49
